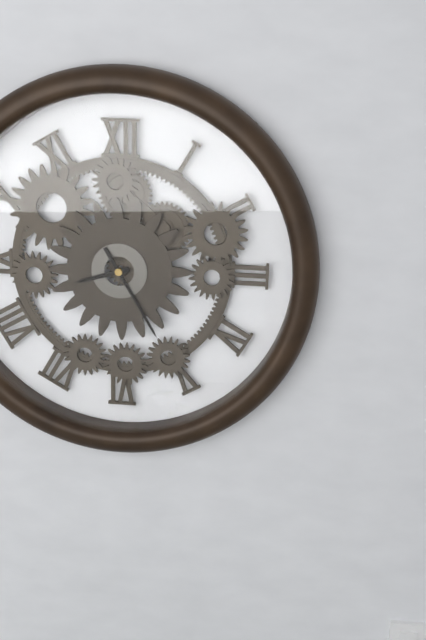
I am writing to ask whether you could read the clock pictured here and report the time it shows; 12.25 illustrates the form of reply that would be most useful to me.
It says 8.25
